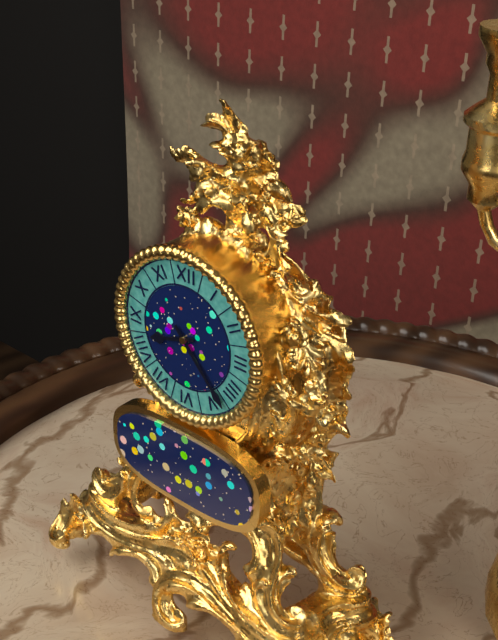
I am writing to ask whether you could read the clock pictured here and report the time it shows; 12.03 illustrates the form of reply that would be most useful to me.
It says 8.23
